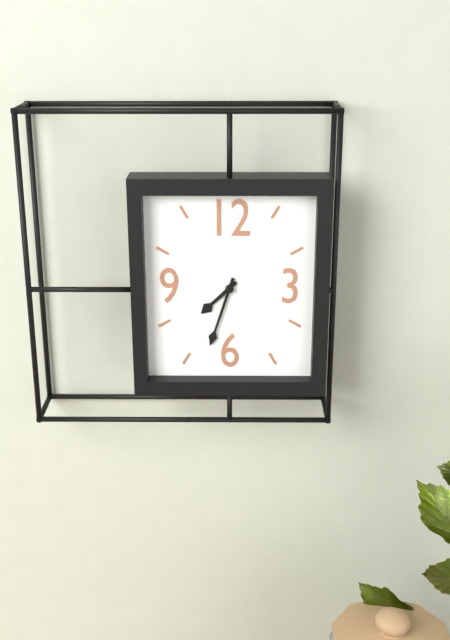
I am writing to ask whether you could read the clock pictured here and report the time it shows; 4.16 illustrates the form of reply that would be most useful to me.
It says 7.33
